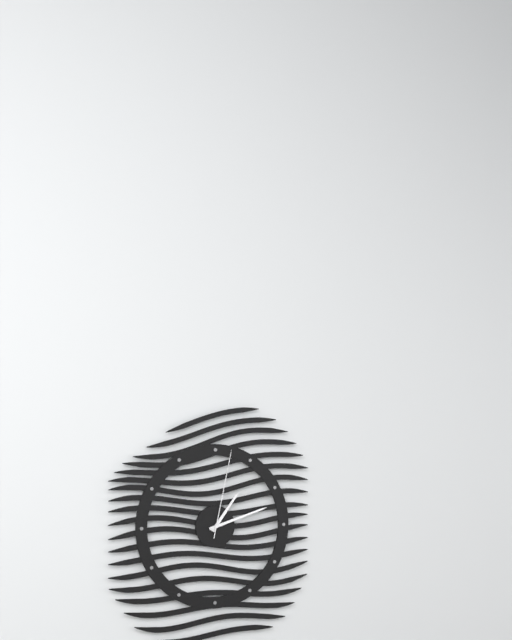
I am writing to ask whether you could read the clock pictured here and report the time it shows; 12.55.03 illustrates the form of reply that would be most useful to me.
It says 1.12.02
